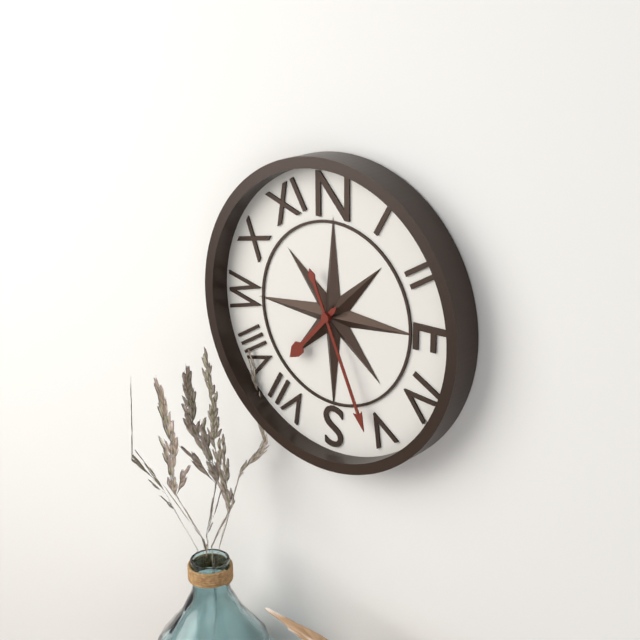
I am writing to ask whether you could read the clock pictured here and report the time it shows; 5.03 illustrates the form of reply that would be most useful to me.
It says 7.26
